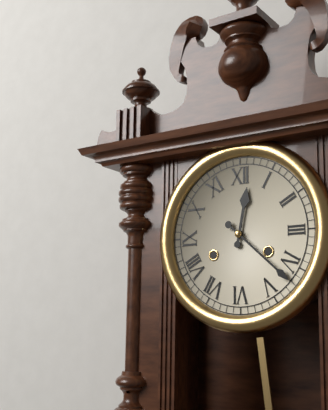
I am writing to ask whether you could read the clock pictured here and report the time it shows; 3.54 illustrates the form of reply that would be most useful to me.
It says 12.22
